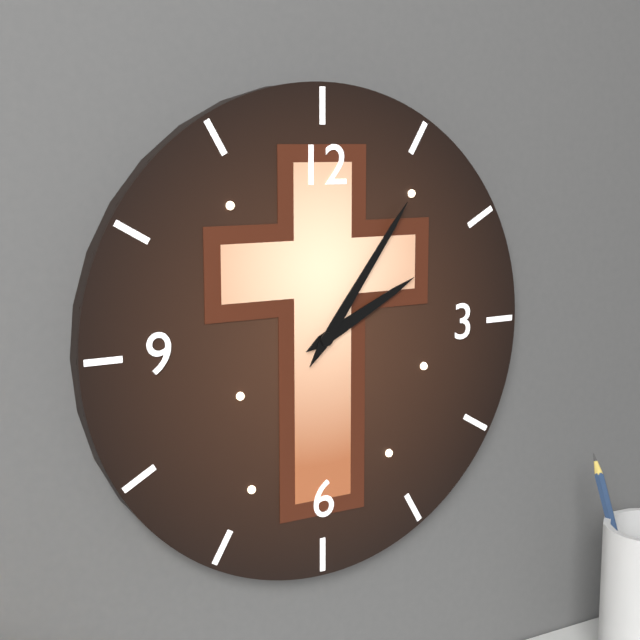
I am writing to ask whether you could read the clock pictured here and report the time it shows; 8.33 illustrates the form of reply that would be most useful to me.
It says 2.06
